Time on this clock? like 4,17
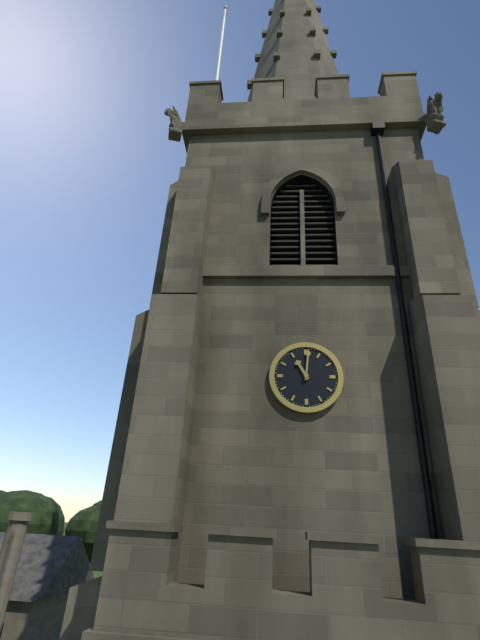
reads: 11,01
